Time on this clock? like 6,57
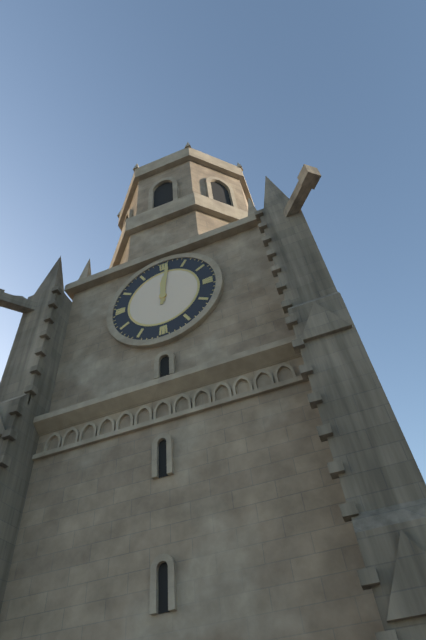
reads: 12,01
